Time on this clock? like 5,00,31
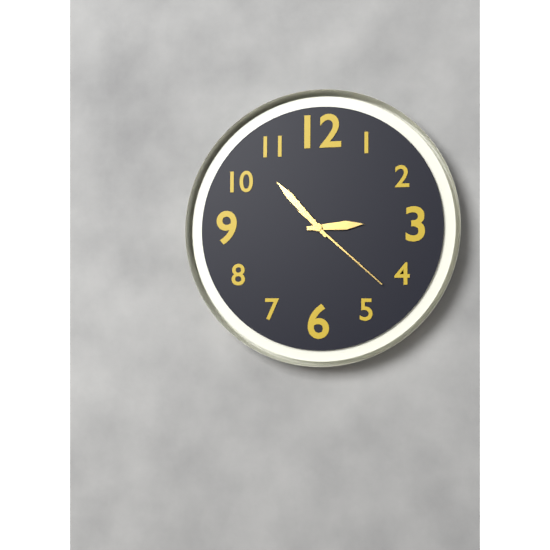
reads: 2,53,22
